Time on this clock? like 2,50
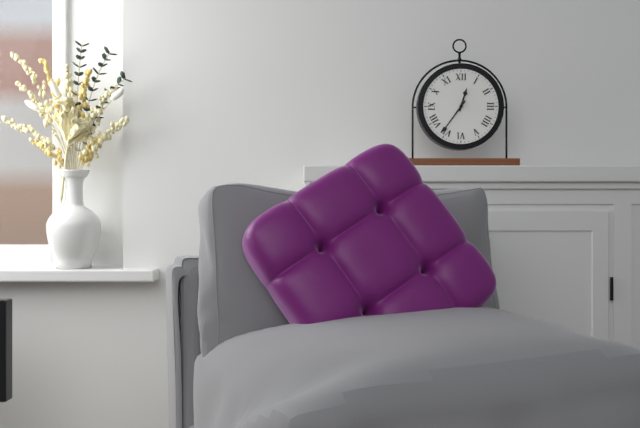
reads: 12,36
